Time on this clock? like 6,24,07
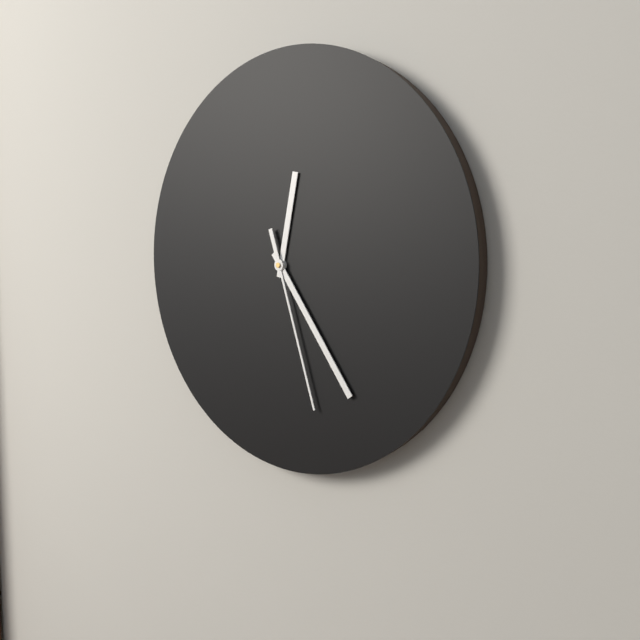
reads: 12,24,27
